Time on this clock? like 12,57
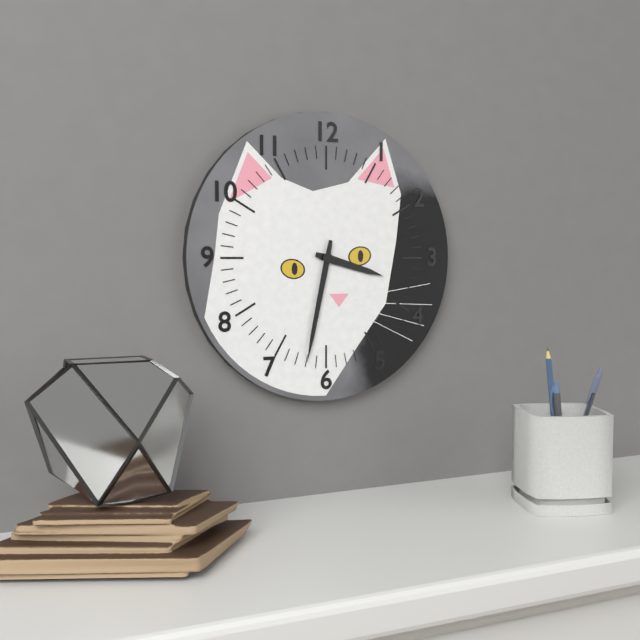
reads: 3,32
